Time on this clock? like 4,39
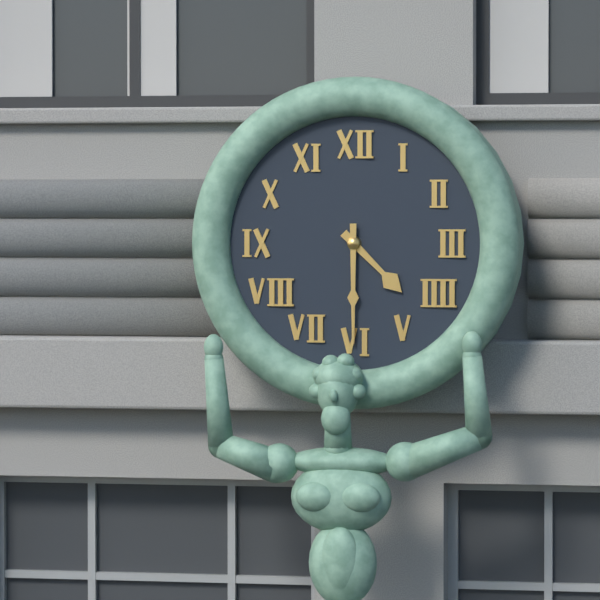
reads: 4,30
